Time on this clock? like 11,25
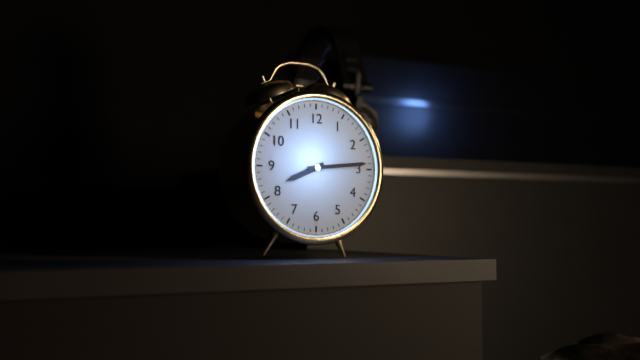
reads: 8,14
